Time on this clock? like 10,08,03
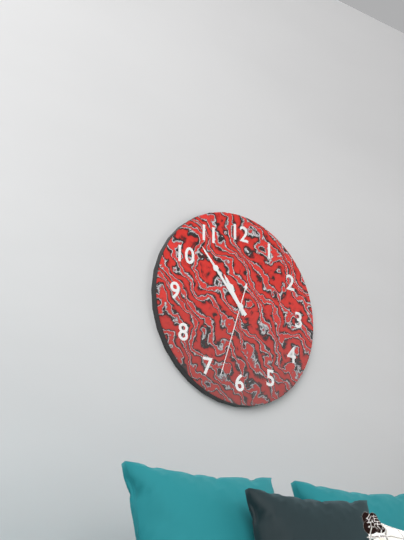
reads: 10,53,33
